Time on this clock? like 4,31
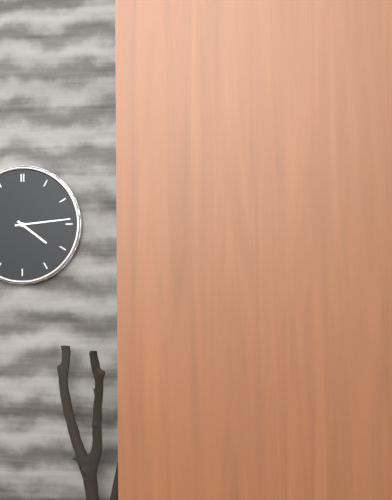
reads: 4,14
